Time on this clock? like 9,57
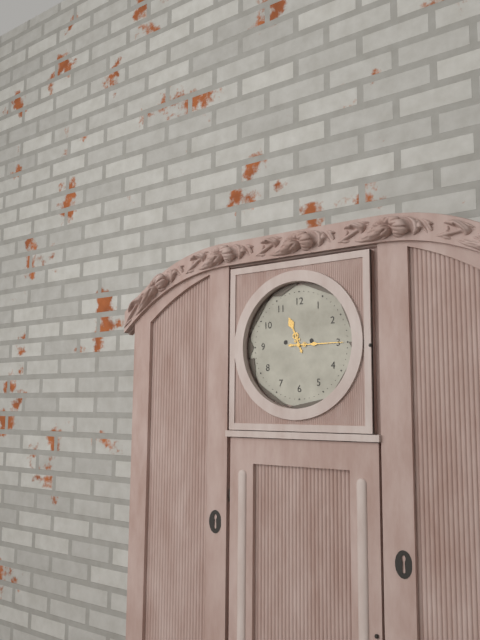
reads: 11,15
